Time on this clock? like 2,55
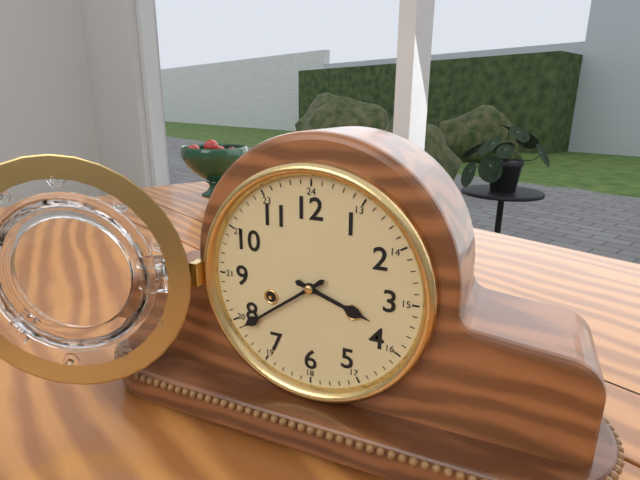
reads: 3,39
